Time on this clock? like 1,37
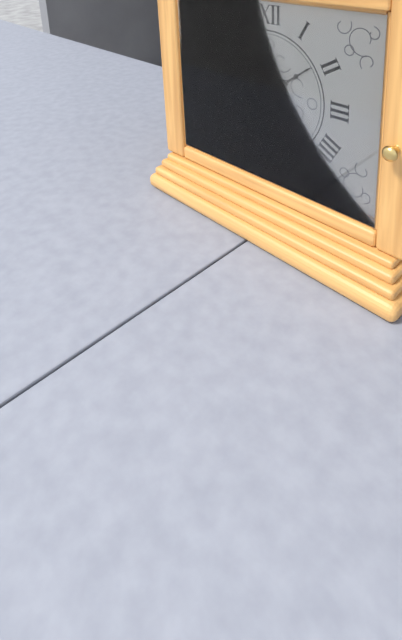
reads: 5,09
